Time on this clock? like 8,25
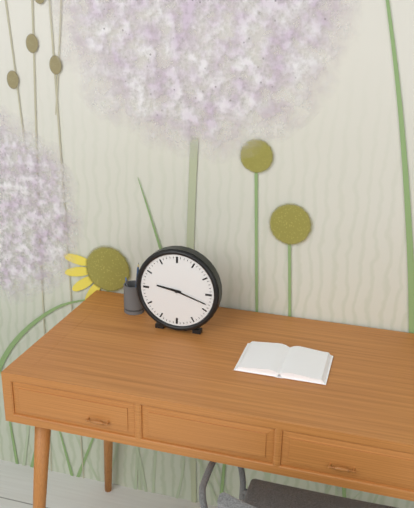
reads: 9,18
